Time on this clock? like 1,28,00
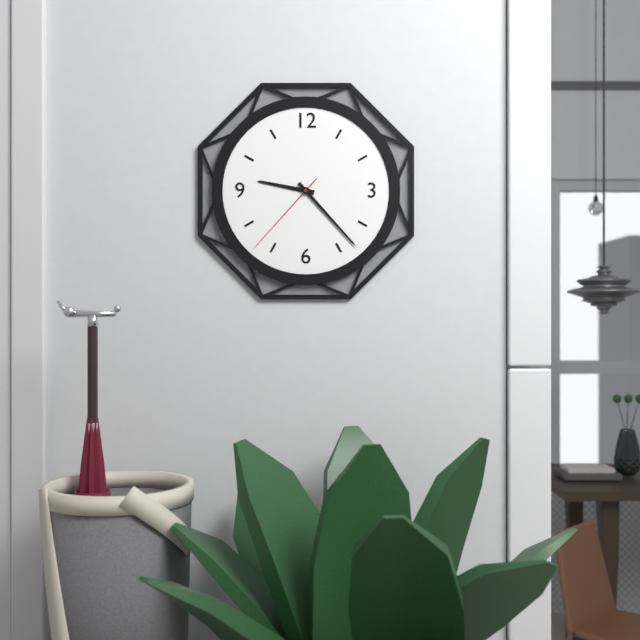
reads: 9,23,37
